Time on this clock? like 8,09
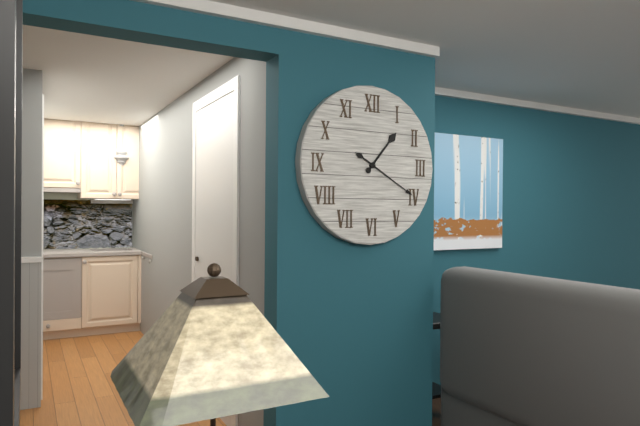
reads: 1,20
